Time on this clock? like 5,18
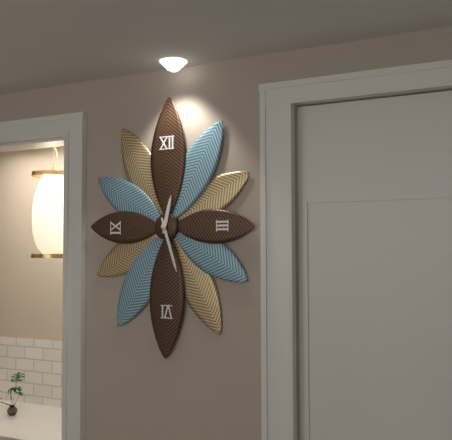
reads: 12,27
